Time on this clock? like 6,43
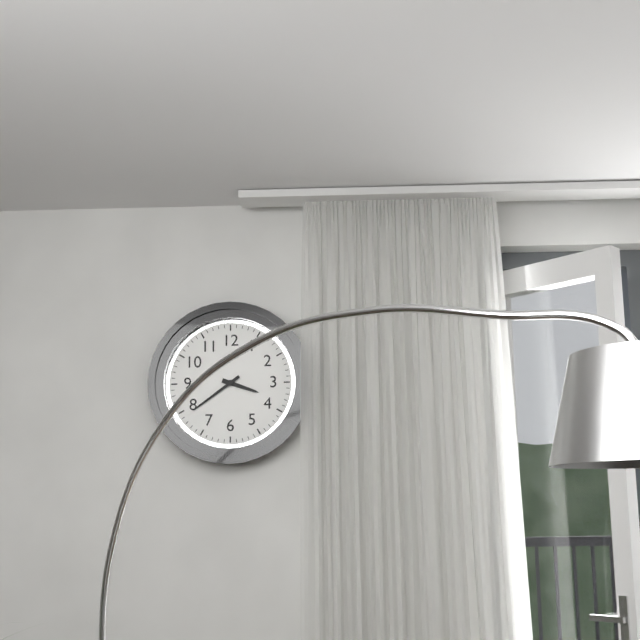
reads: 3,39
